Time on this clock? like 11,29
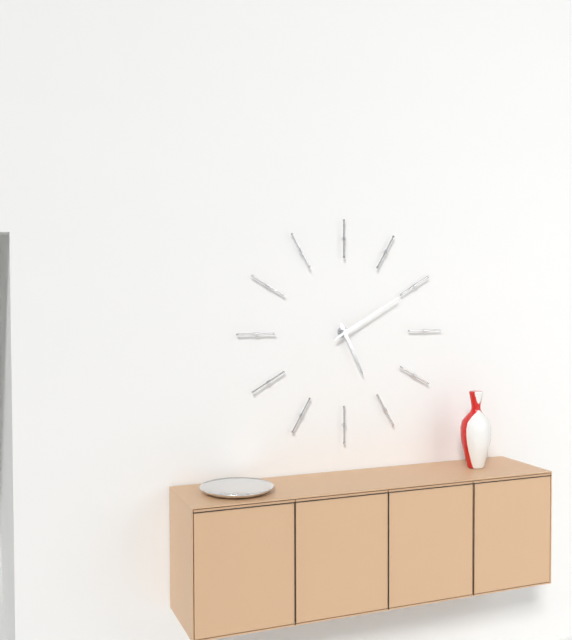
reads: 5,10
